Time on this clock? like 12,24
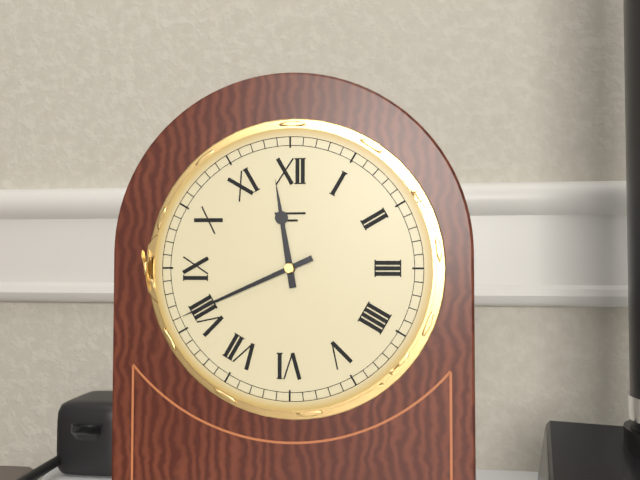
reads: 11,41
